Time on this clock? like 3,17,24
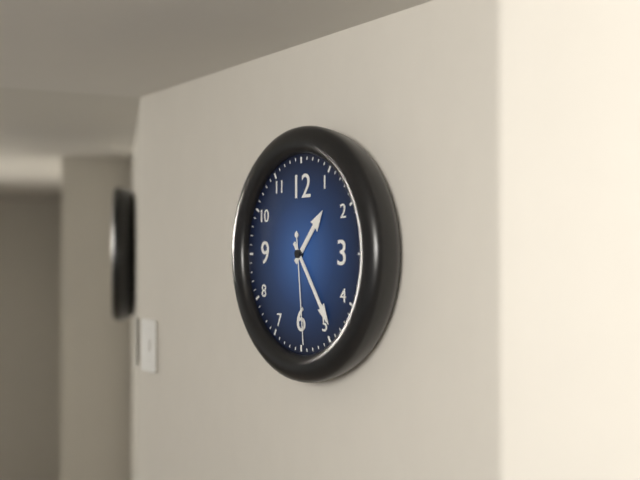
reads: 1,24,29
